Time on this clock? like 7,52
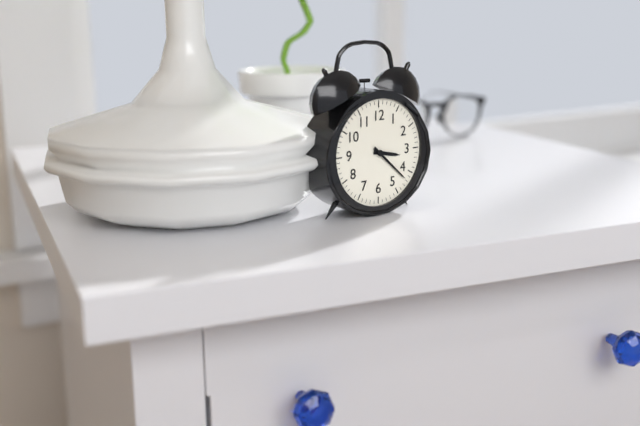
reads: 3,22
